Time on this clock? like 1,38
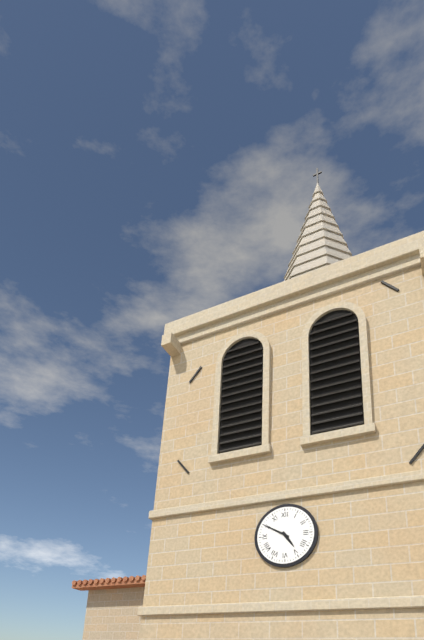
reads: 4,50
